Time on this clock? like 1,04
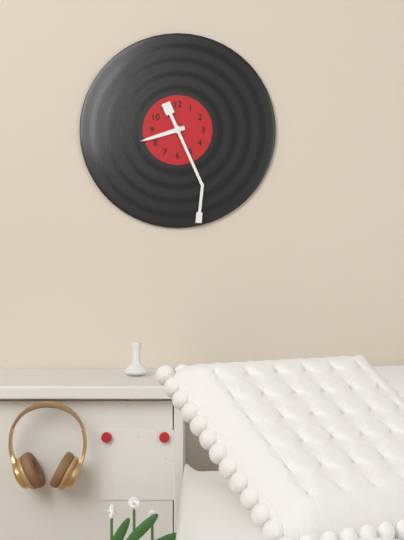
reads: 8,26
